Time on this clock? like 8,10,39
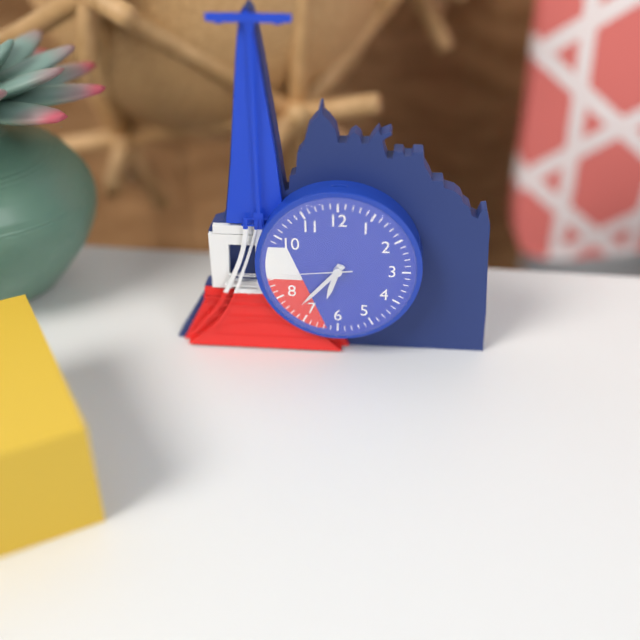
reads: 6,37,44
